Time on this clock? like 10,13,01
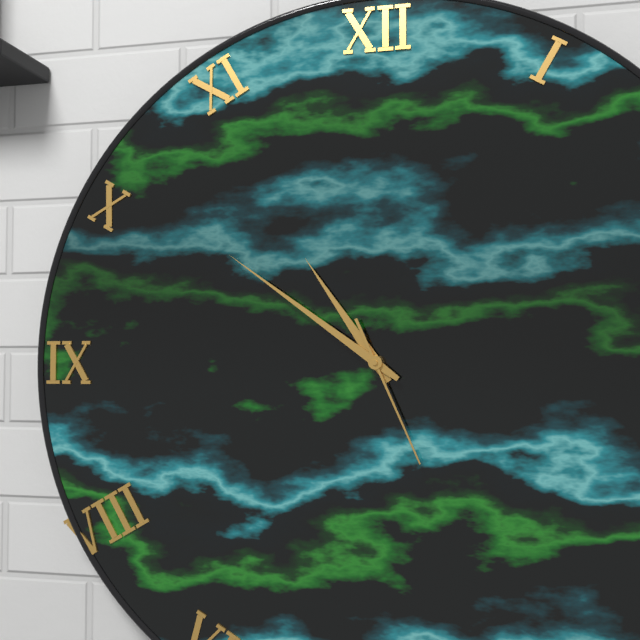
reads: 10,51,26
